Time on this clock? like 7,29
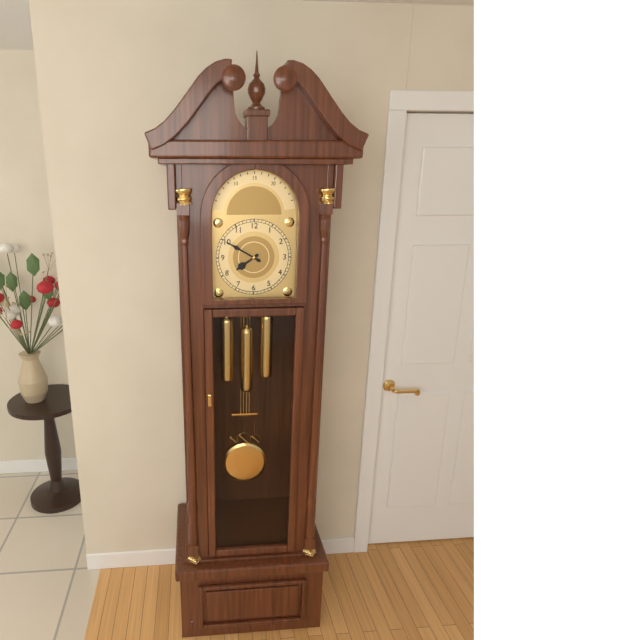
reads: 7,50
